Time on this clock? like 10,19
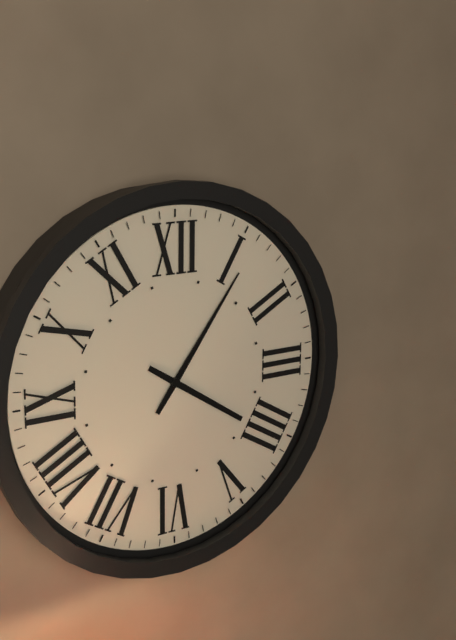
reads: 4,06
